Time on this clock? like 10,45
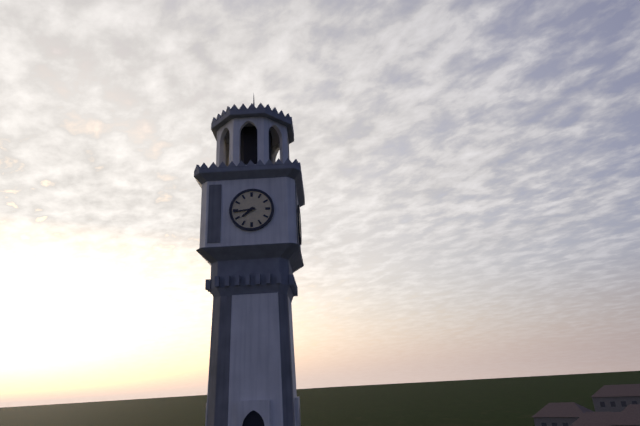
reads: 7,44
